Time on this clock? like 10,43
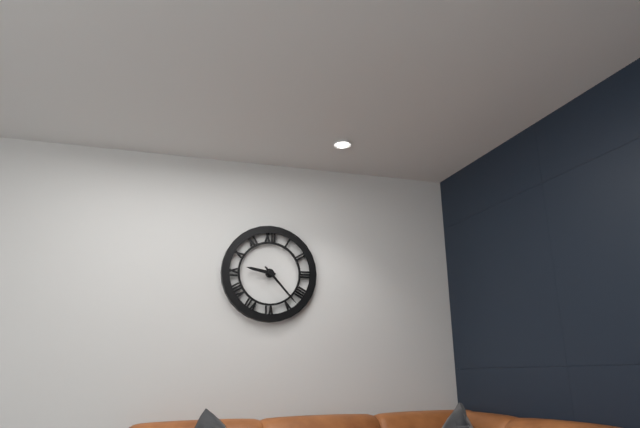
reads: 9,23
